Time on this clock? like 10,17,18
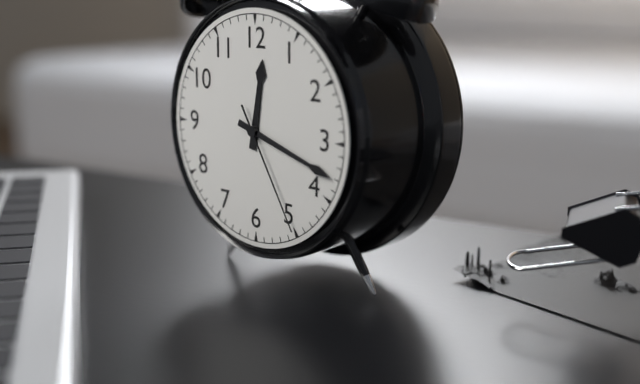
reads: 12,18,25
